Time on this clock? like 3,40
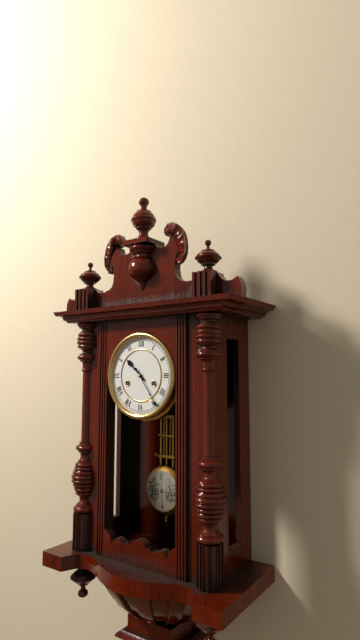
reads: 10,24
